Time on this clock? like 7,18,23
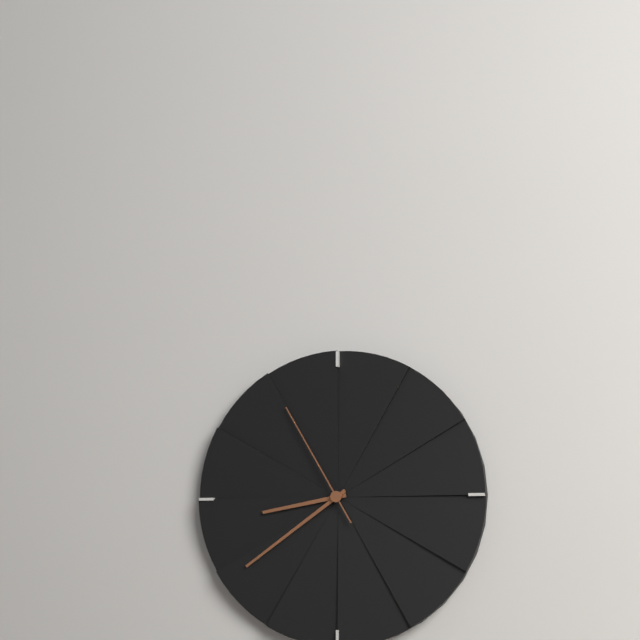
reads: 8,39,55
